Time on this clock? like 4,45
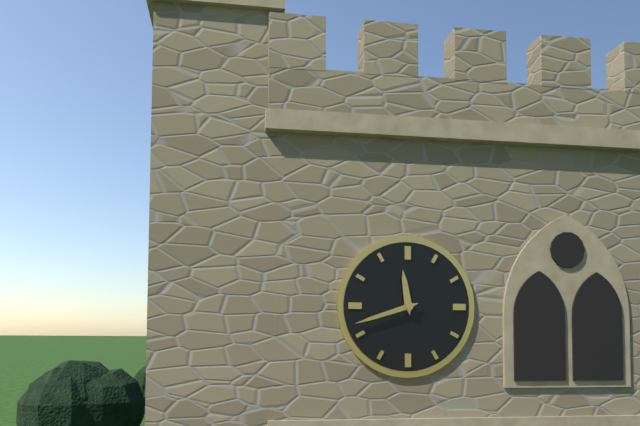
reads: 11,42
